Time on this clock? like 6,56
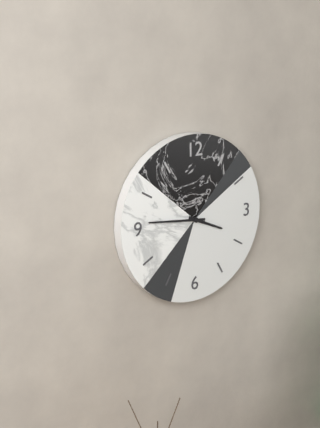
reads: 3,46
